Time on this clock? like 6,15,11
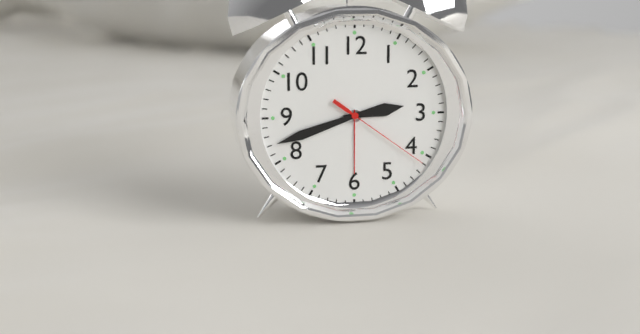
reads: 2,42,21
